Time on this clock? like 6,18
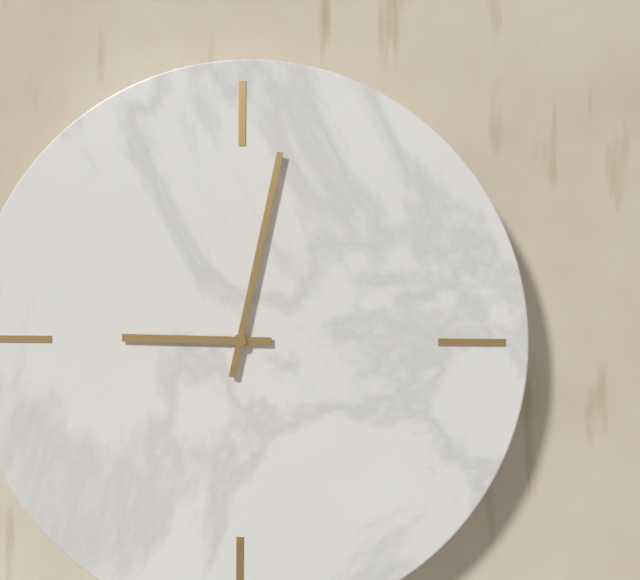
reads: 9,02
